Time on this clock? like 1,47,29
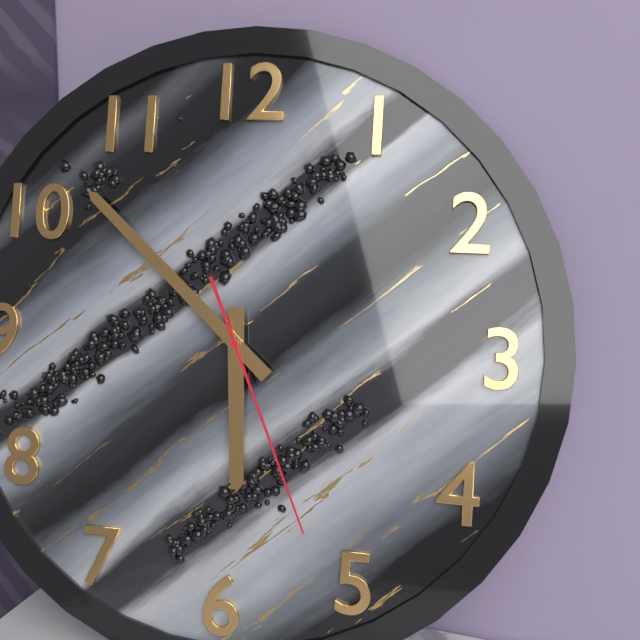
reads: 5,52,26
